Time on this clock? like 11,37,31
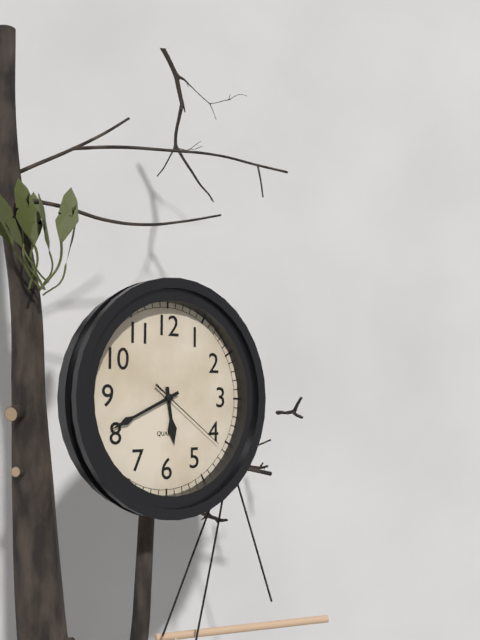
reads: 5,41,21
